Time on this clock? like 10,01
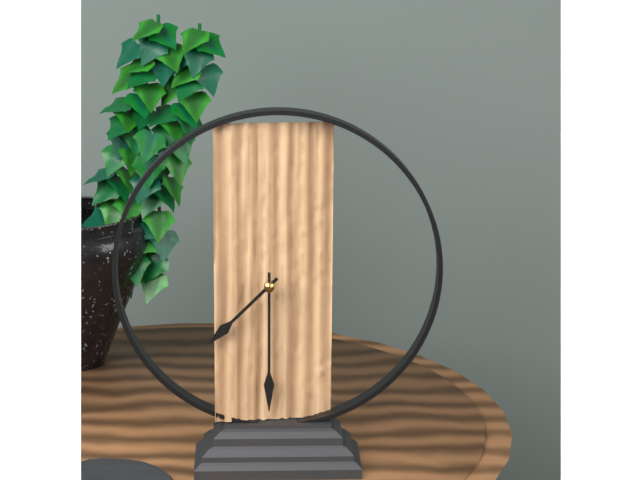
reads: 7,30
